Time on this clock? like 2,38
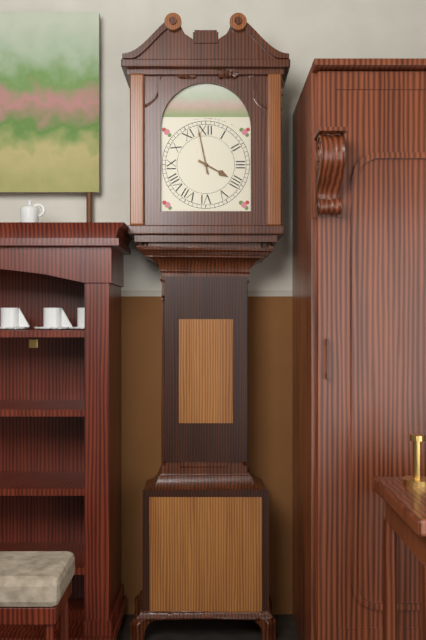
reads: 3,58
